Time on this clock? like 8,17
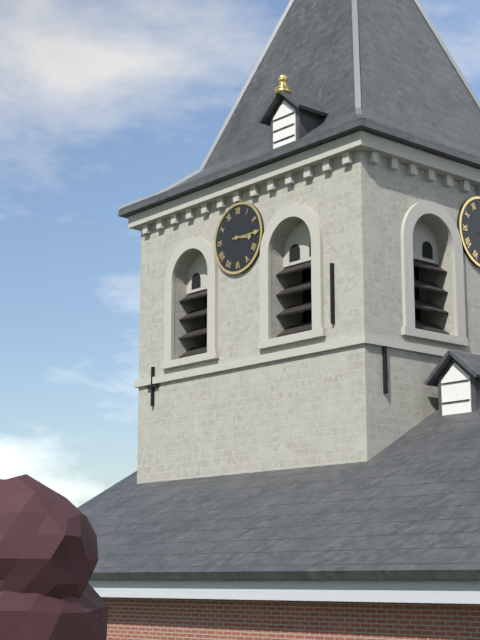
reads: 3,15
